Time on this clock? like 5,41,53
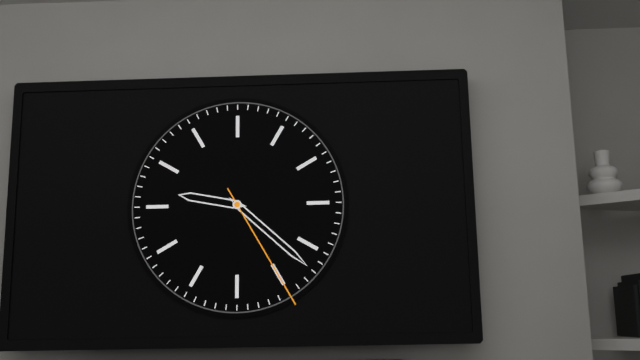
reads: 9,22,25
